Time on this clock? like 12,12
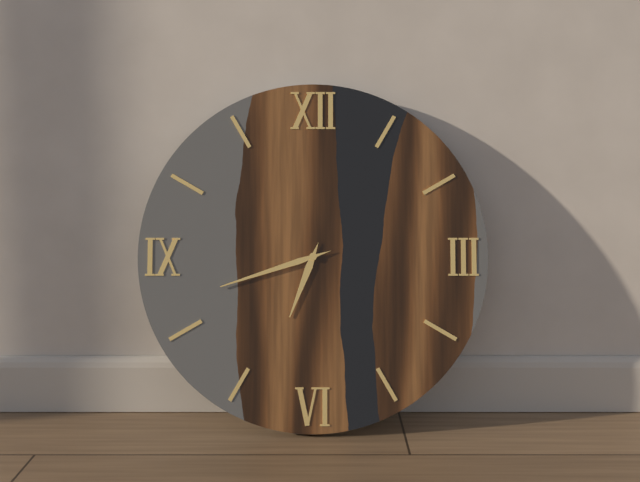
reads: 6,42
